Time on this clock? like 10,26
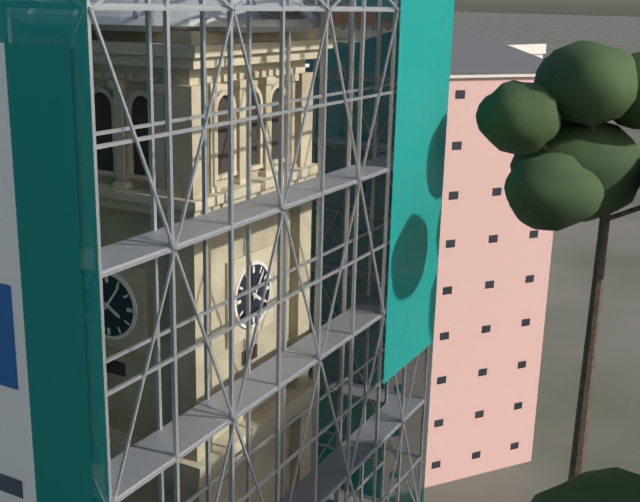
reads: 4,06
